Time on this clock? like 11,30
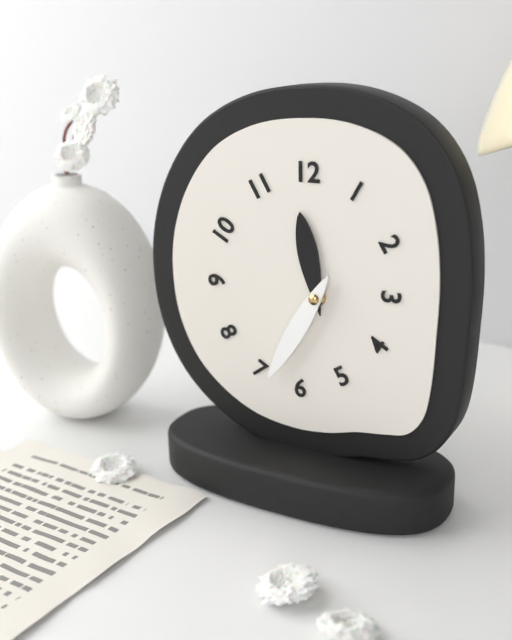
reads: 11,35
